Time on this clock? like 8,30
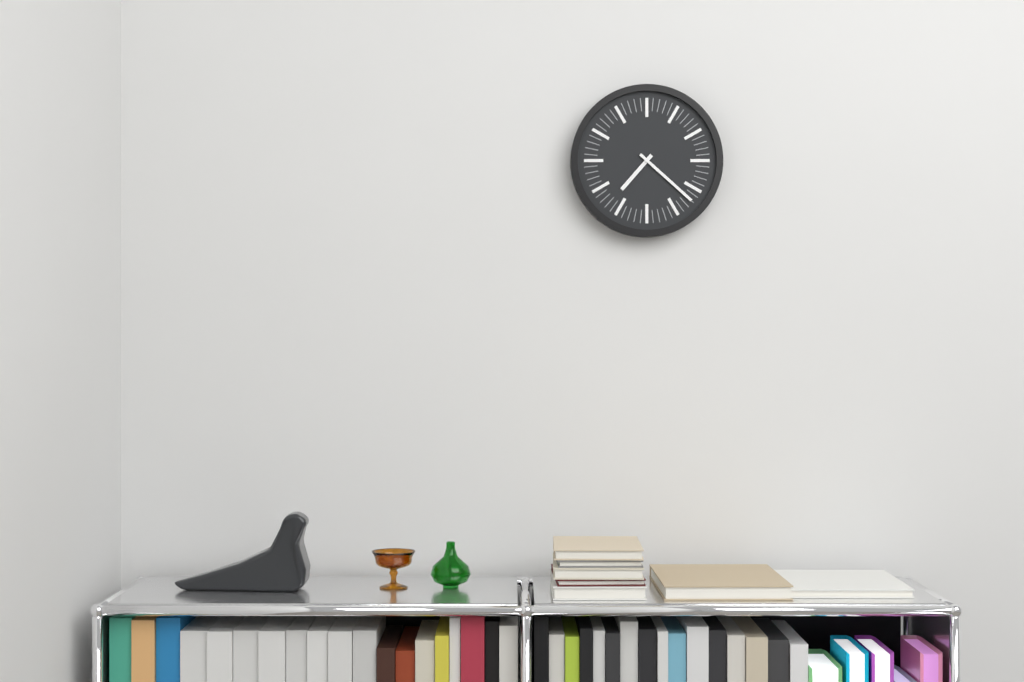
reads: 7,22
